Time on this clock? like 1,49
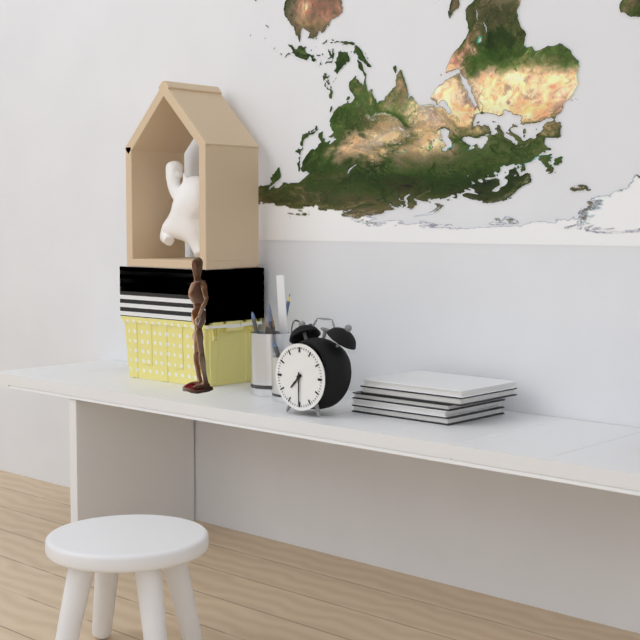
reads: 7,30
